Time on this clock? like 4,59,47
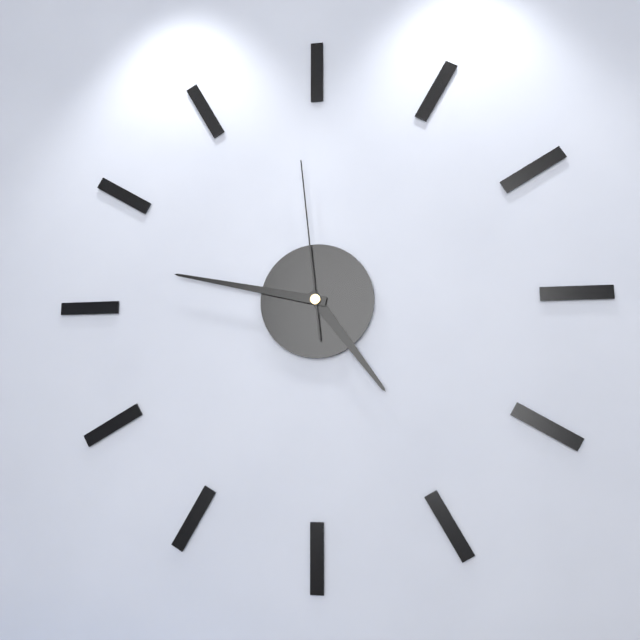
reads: 4,47,59
